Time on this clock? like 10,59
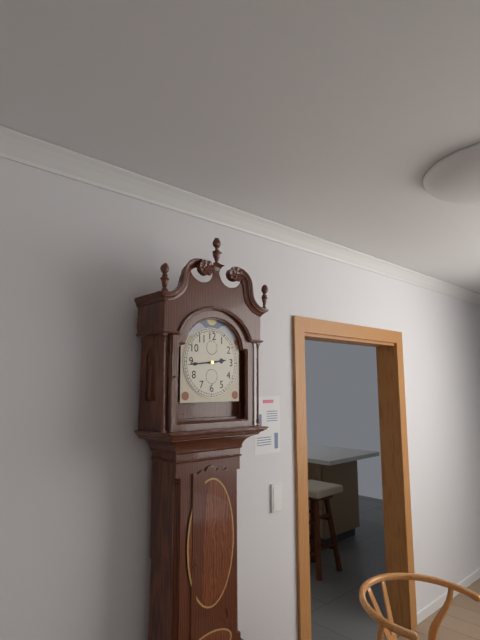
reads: 2,44
